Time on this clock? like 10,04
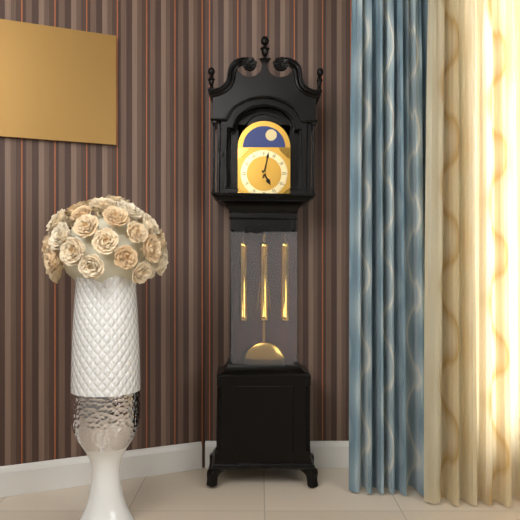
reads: 5,02
